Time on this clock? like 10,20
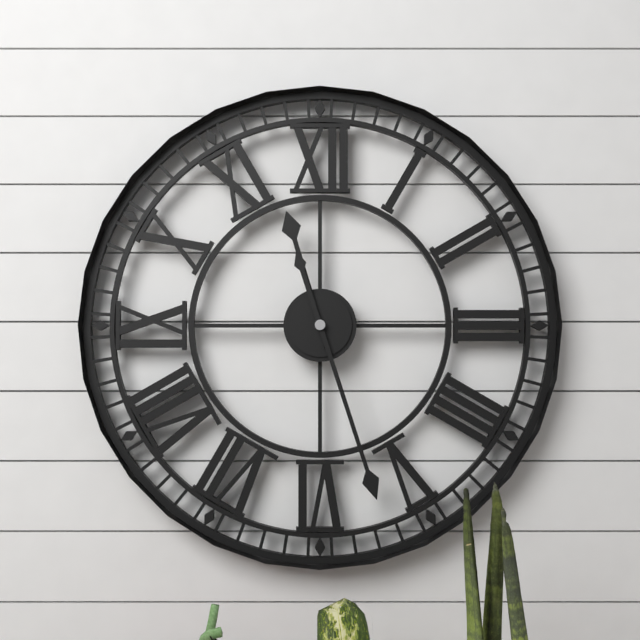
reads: 11,27
